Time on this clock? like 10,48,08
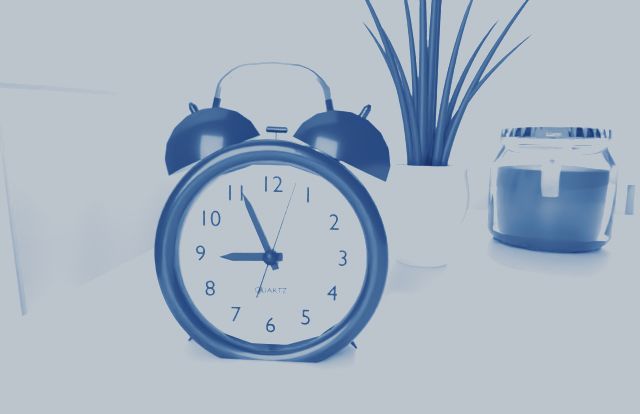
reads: 8,56,03
